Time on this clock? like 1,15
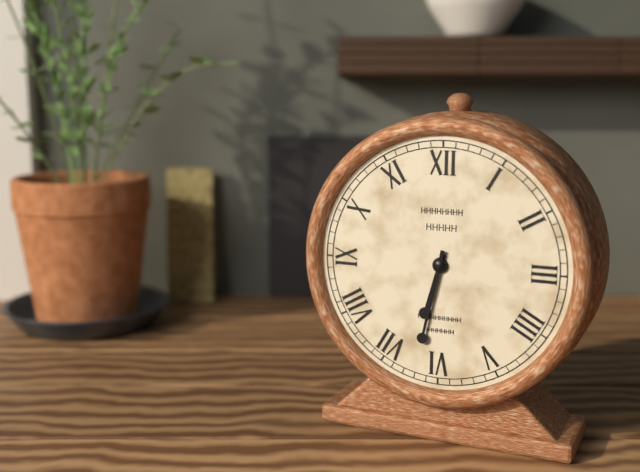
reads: 6,32
